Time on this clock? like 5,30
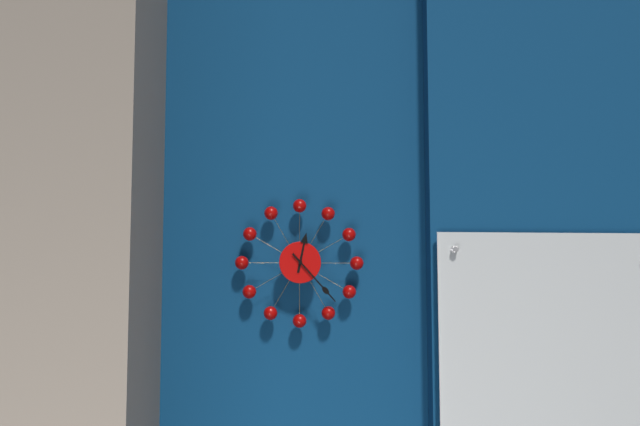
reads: 12,23
